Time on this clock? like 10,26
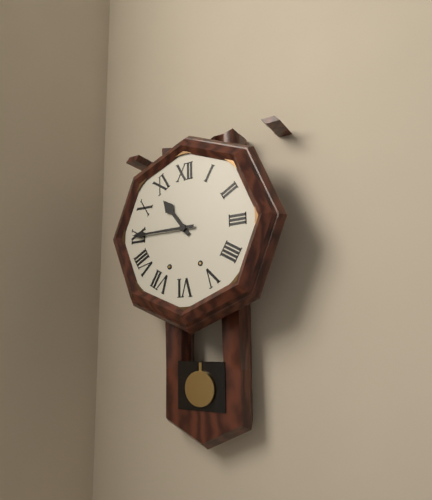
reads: 10,45
